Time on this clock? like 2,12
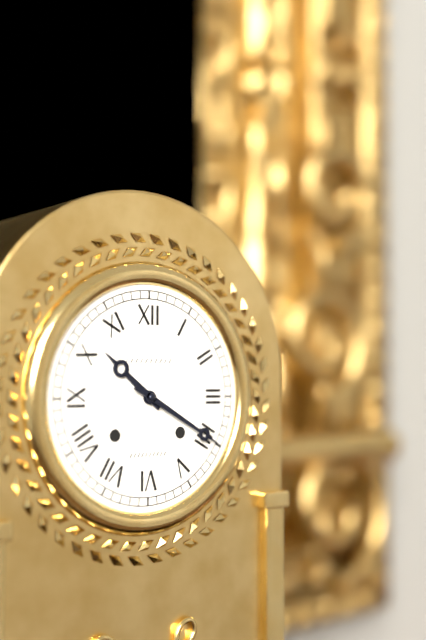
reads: 10,20
